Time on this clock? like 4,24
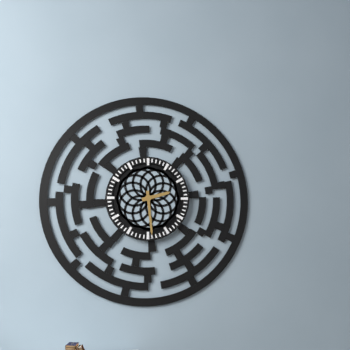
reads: 2,29
